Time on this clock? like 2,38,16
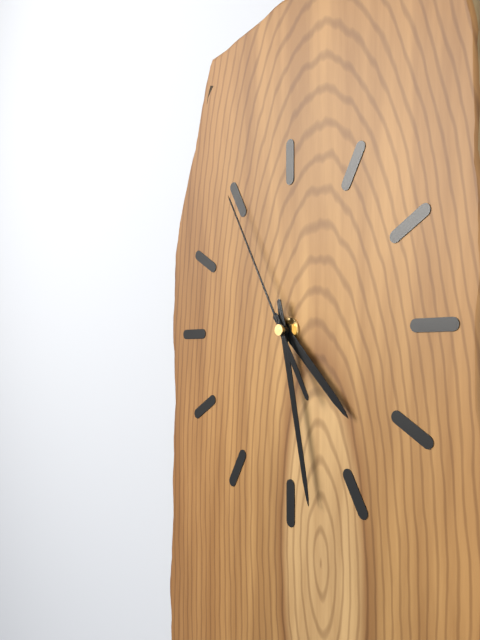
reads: 4,28,55
